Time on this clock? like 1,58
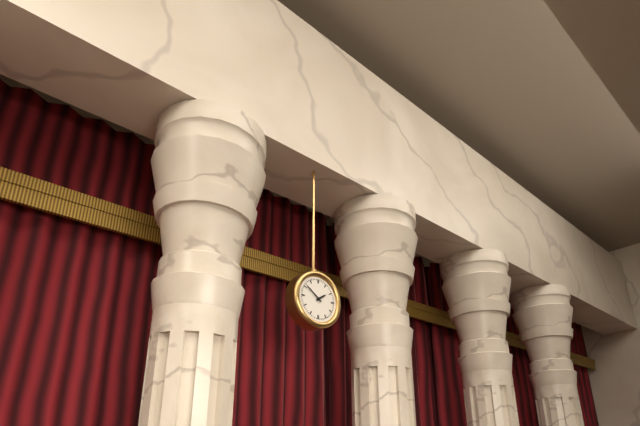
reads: 1,51
